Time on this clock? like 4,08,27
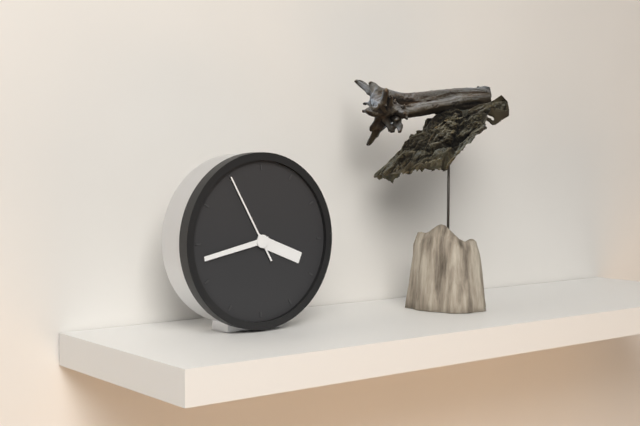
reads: 3,43,55
